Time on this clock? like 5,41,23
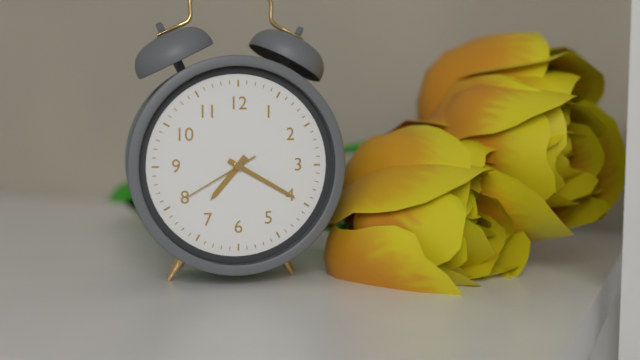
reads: 7,20,40
